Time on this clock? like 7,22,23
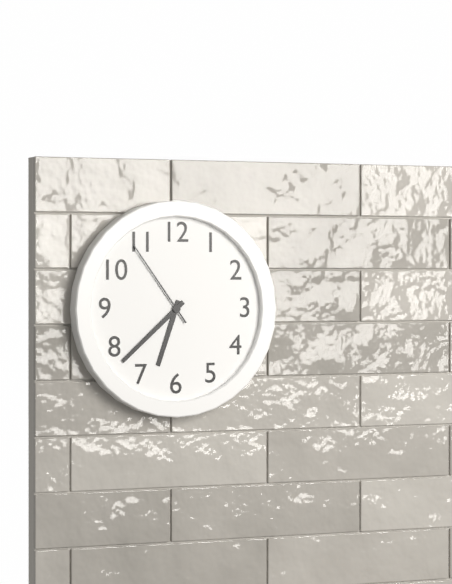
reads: 6,38,54
